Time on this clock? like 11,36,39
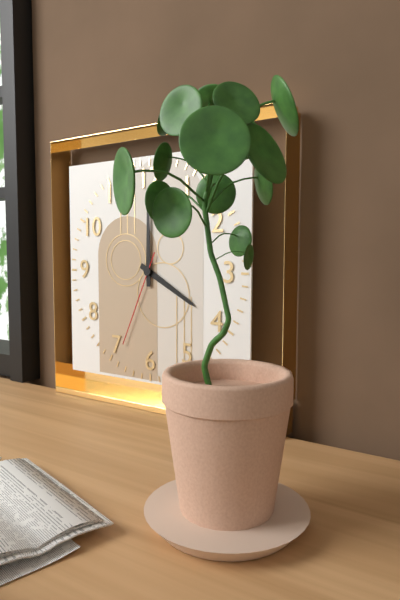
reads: 4,00,34
